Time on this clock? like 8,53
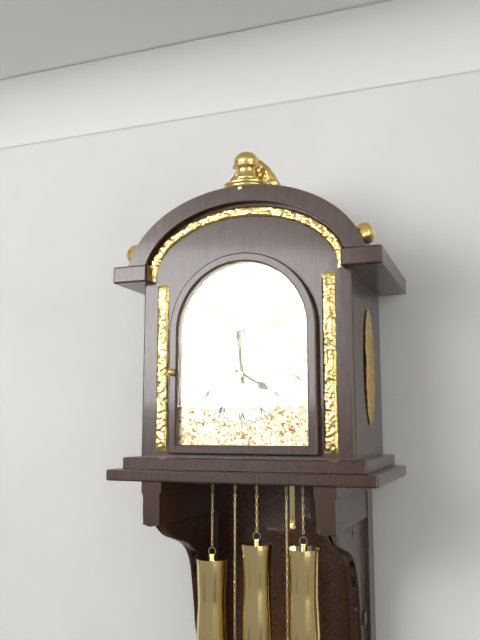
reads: 3,59
